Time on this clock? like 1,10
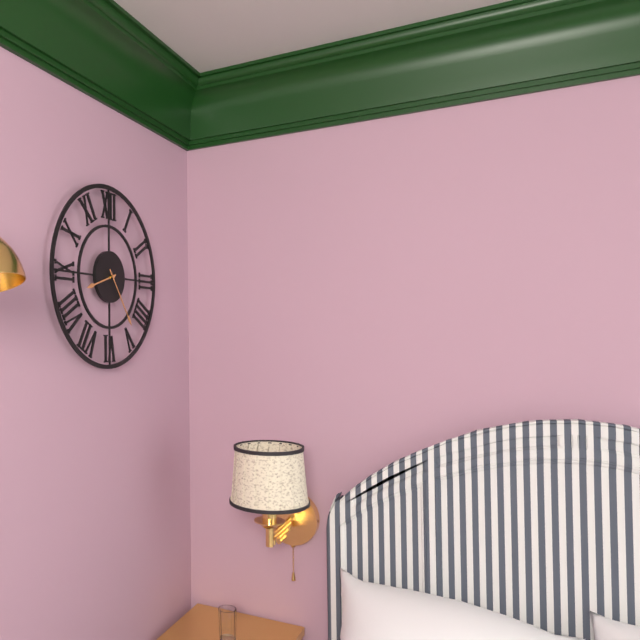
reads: 8,24
